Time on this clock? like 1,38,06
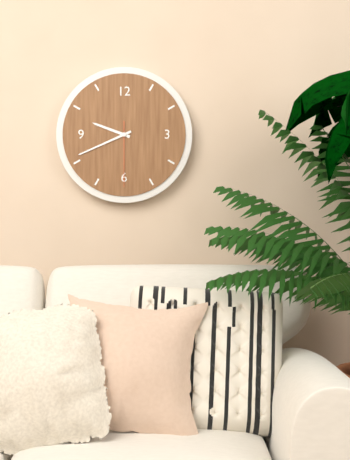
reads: 9,41,30
